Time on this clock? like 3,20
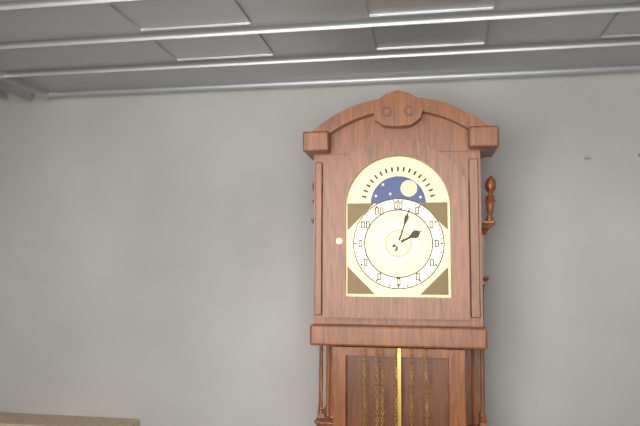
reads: 2,03
